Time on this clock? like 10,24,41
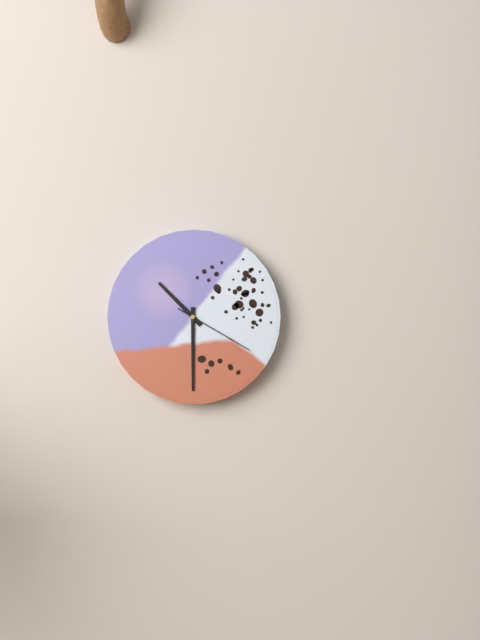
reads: 10,30,20
